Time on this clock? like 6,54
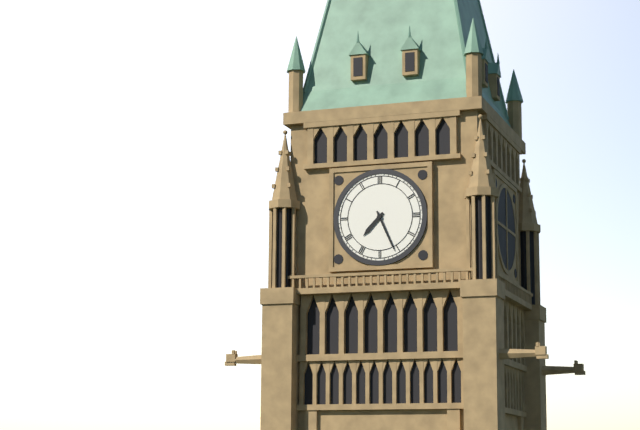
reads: 7,26
